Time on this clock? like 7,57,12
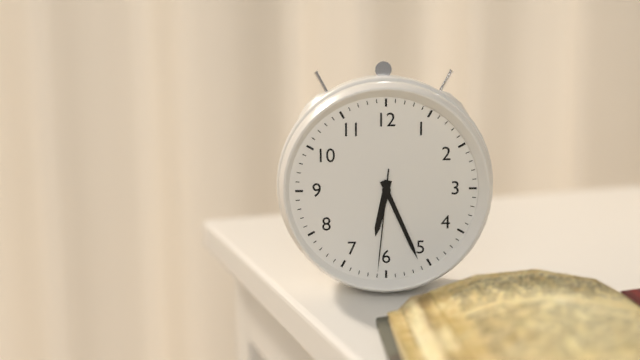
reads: 6,26,31
